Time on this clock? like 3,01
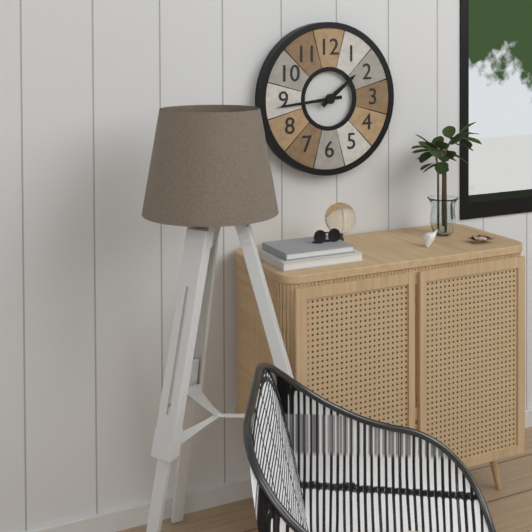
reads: 1,44
